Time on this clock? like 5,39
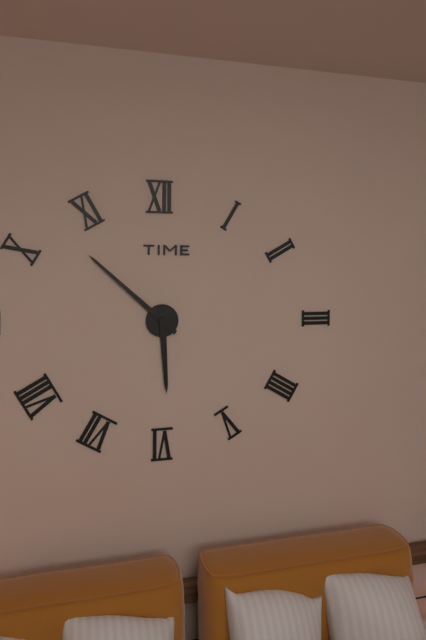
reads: 5,52
